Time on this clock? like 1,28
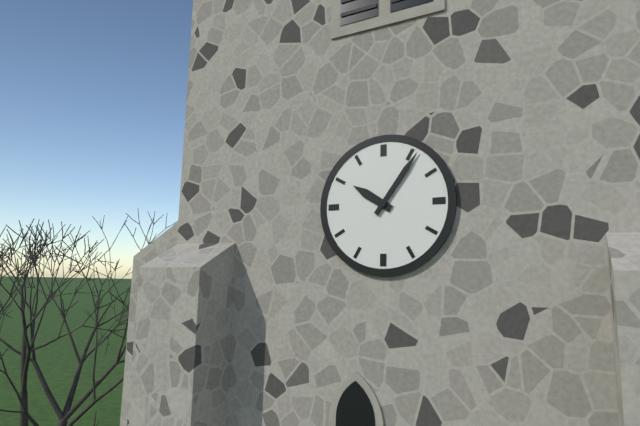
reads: 10,06
